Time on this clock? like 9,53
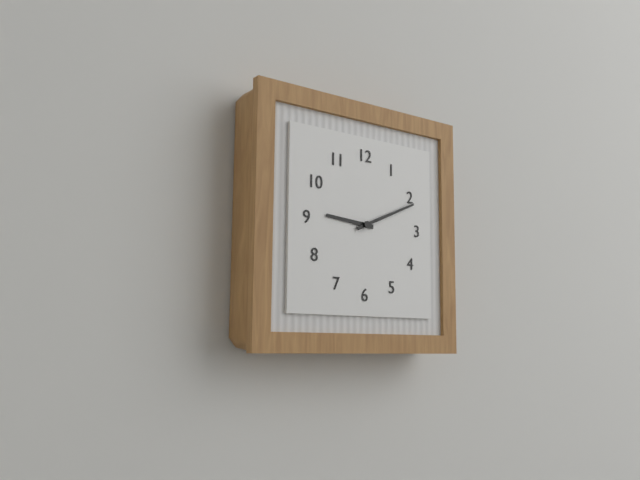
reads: 9,11
